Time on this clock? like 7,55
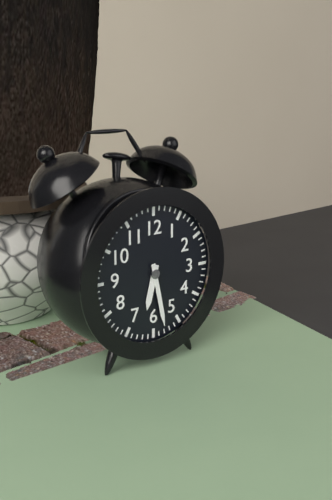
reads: 6,28
